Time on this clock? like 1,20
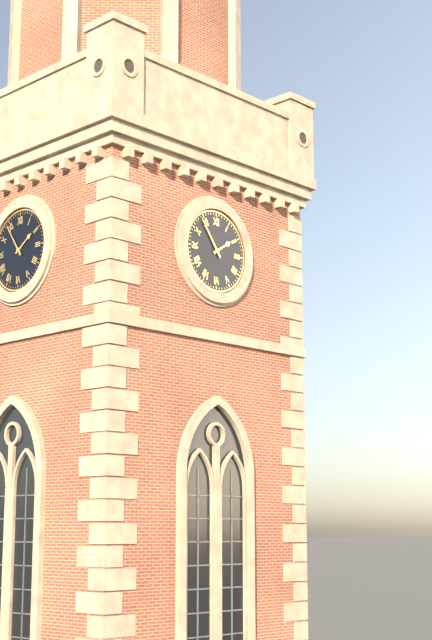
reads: 1,54
